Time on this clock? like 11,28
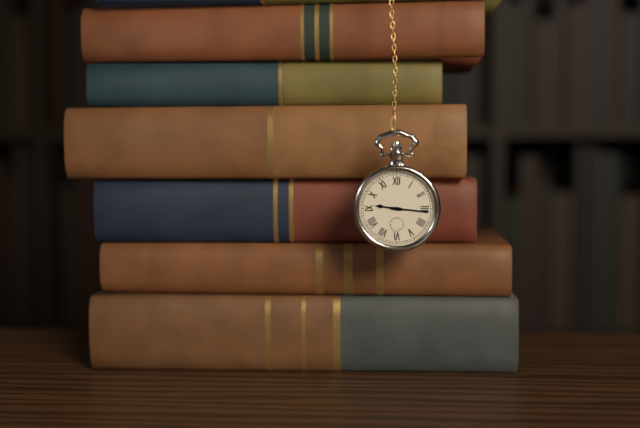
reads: 9,16
